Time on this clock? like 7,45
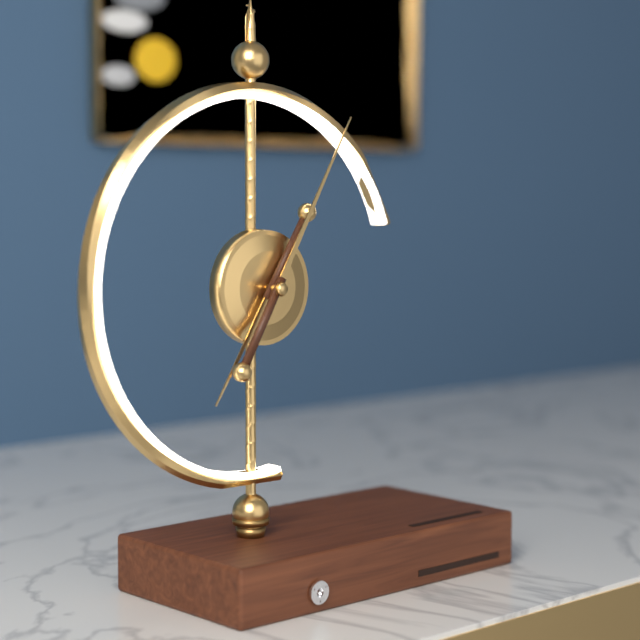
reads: 7,05
